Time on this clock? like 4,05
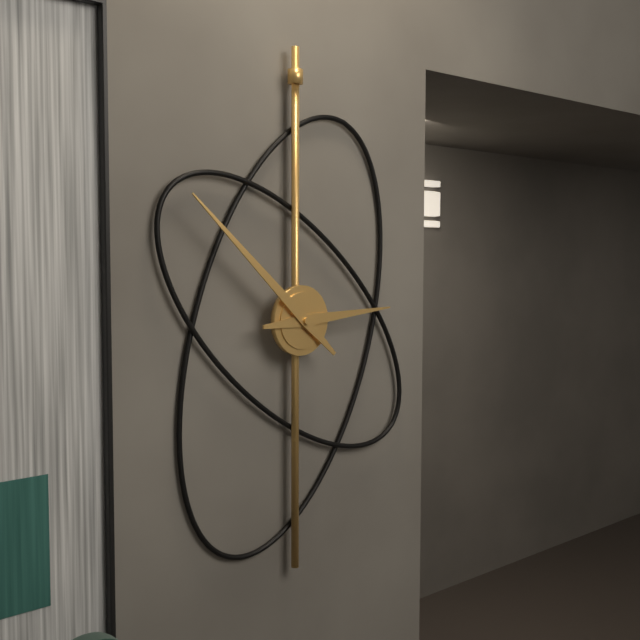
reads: 2,52
